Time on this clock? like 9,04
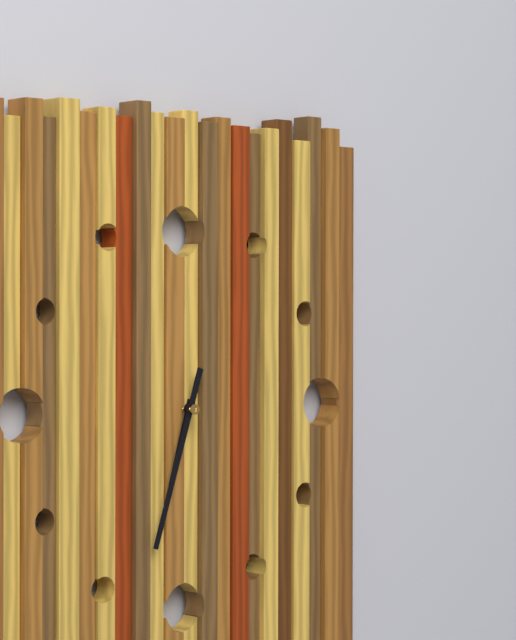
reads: 6,33
